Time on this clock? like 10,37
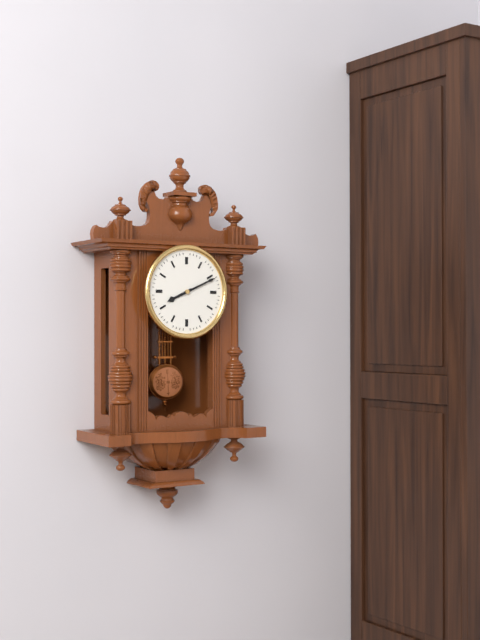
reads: 8,11
